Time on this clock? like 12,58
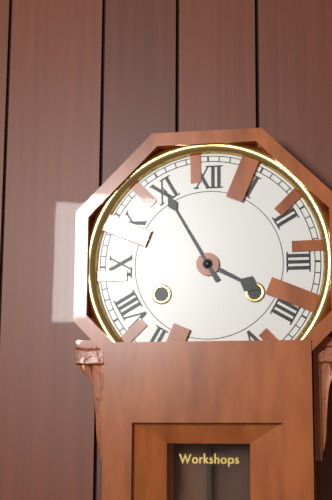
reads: 3,55
